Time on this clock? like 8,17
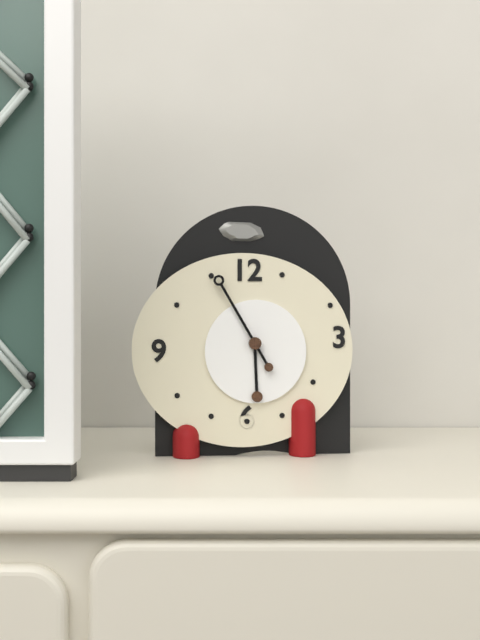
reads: 5,55
